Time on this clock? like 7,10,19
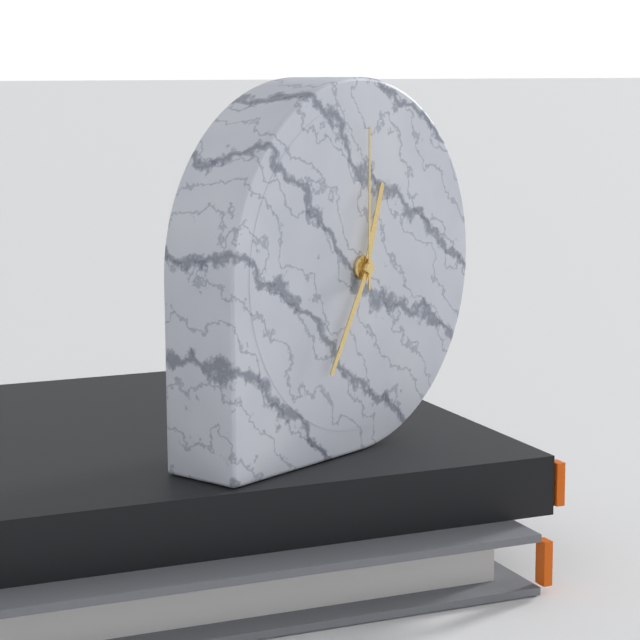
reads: 12,35,00
